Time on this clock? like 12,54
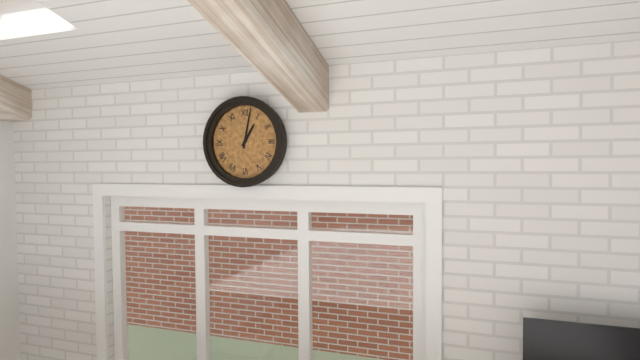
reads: 1,02
